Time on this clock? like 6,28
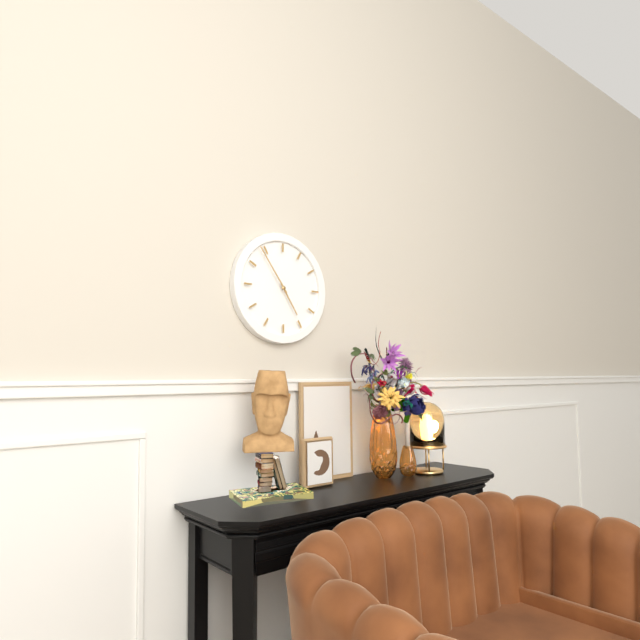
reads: 4,54
